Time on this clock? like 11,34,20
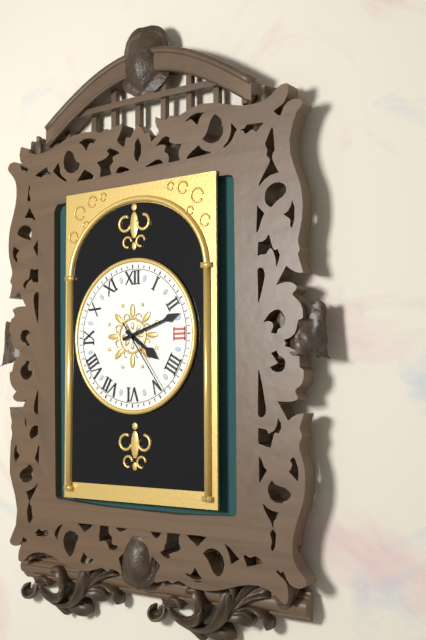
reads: 4,12,24
